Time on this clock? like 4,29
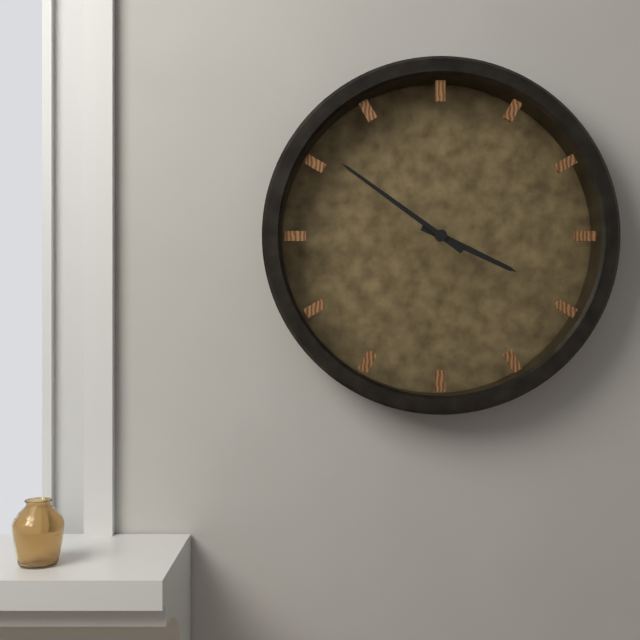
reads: 3,51
